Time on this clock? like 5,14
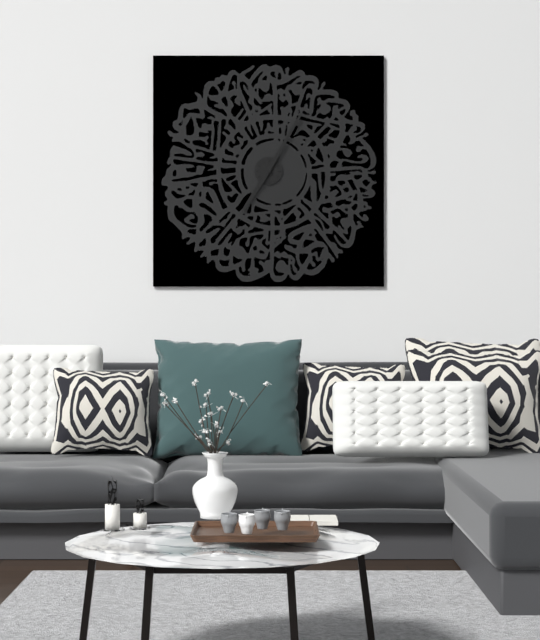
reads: 7,05
